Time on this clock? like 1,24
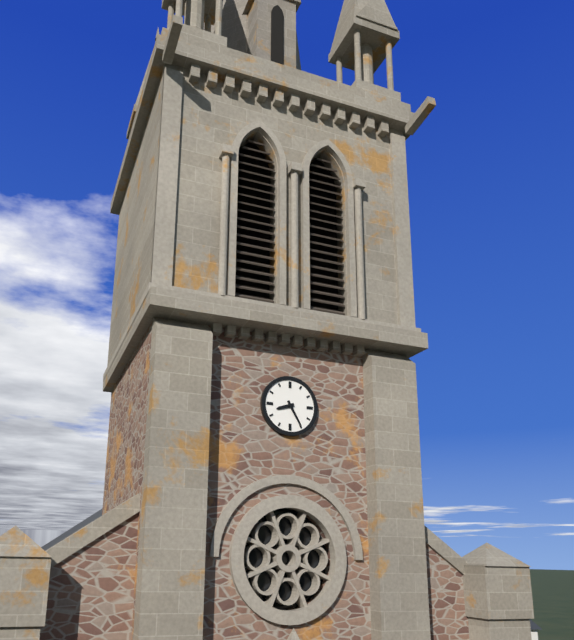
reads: 8,25
